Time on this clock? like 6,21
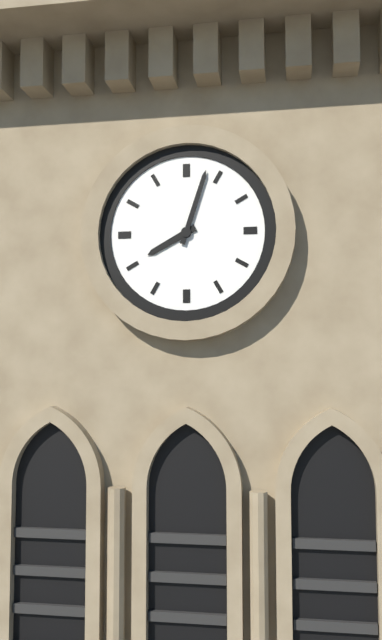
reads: 8,03
